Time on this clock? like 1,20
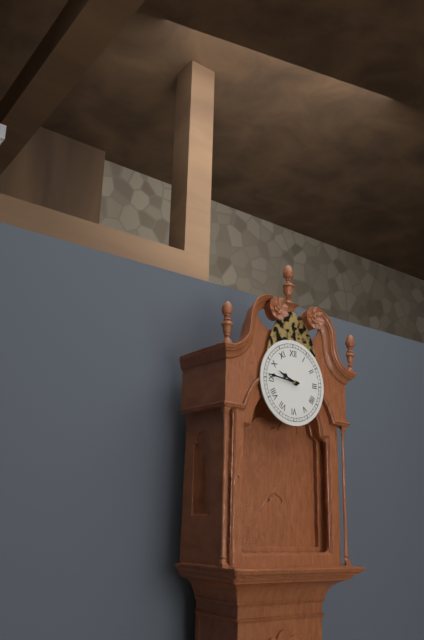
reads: 9,46
